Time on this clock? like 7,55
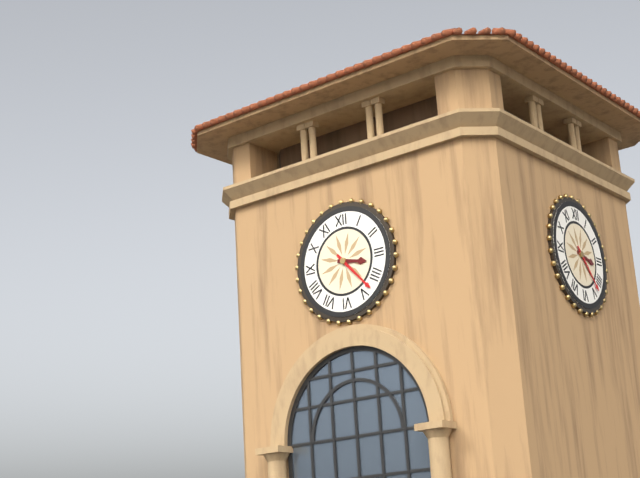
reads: 3,23
